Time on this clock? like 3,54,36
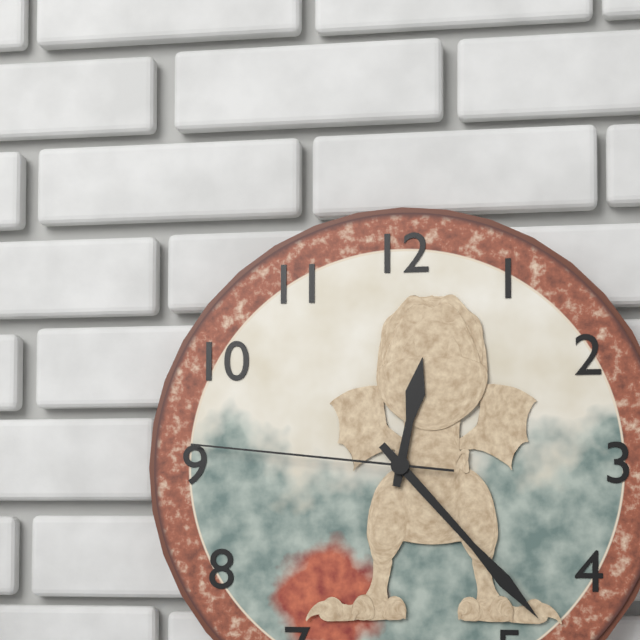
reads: 12,23,46
